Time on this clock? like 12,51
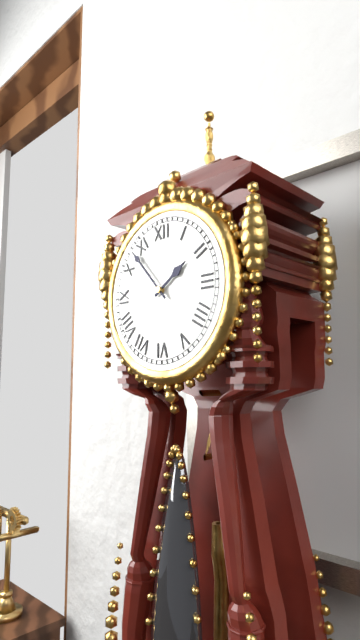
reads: 1,53
